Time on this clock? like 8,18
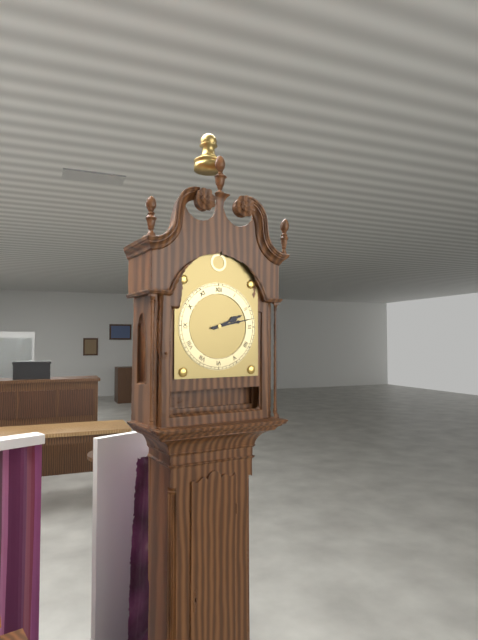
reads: 2,13
